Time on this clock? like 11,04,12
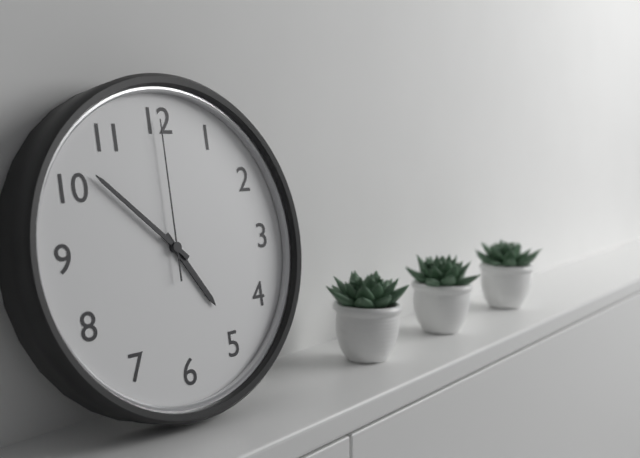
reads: 4,52,00
